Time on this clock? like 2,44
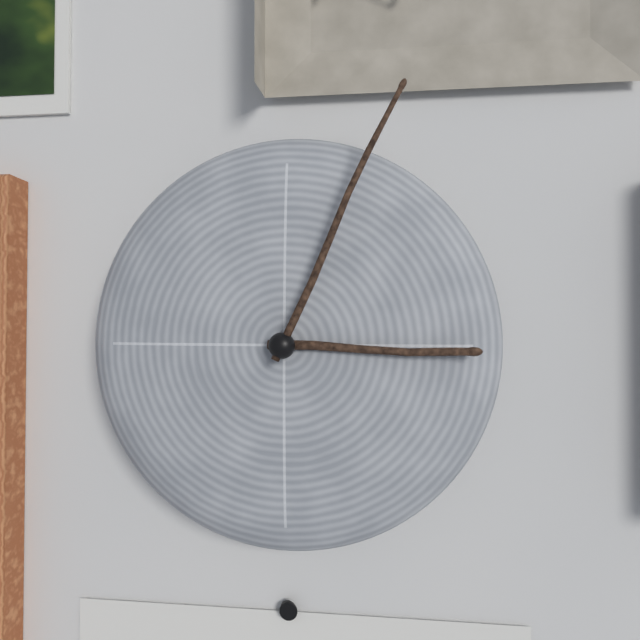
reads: 3,04
